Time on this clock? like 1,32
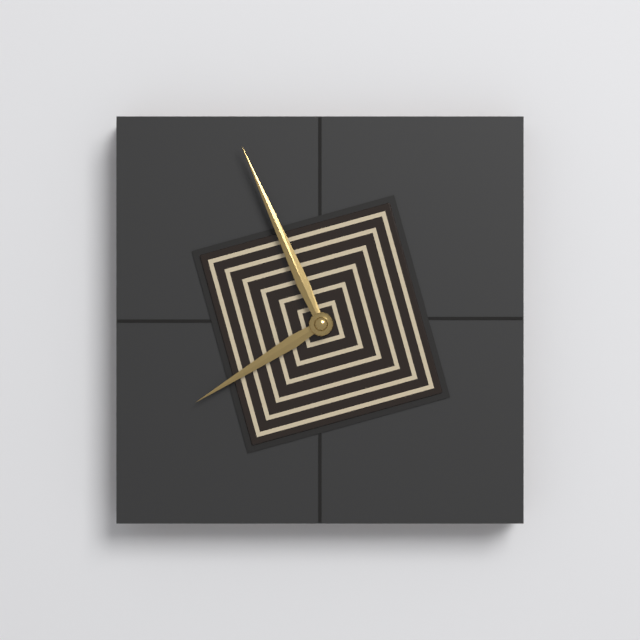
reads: 7,56
